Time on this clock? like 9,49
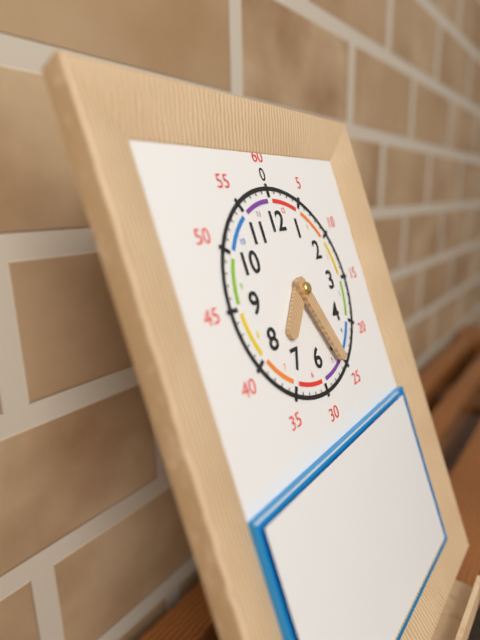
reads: 7,26
